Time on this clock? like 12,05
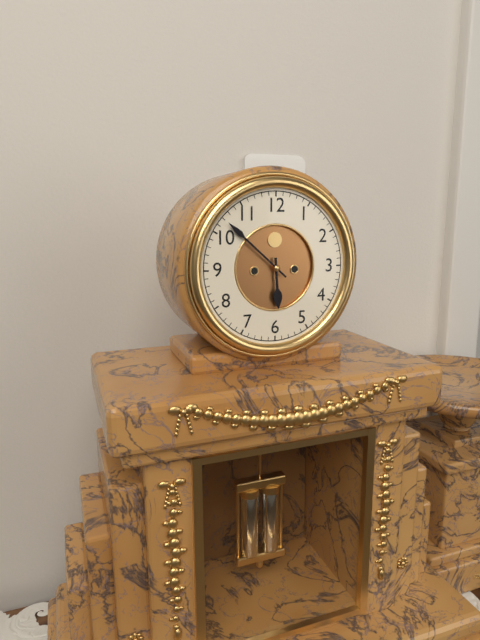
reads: 5,52
